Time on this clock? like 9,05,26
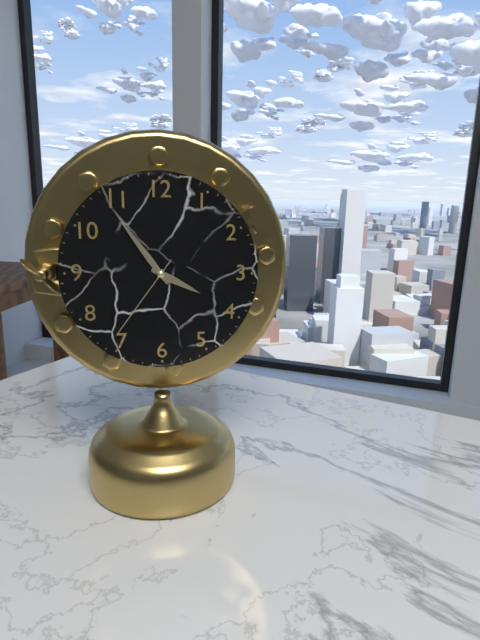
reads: 3,54,36
